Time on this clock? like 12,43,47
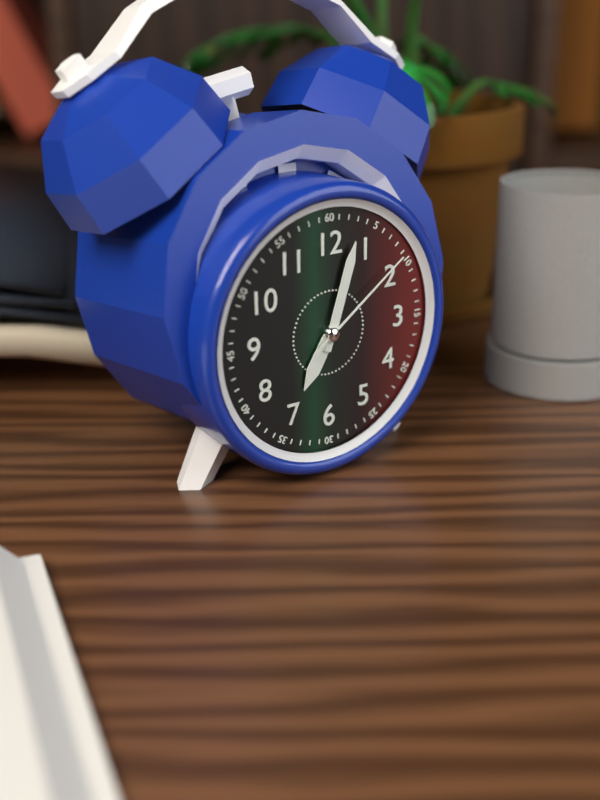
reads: 7,03,09
